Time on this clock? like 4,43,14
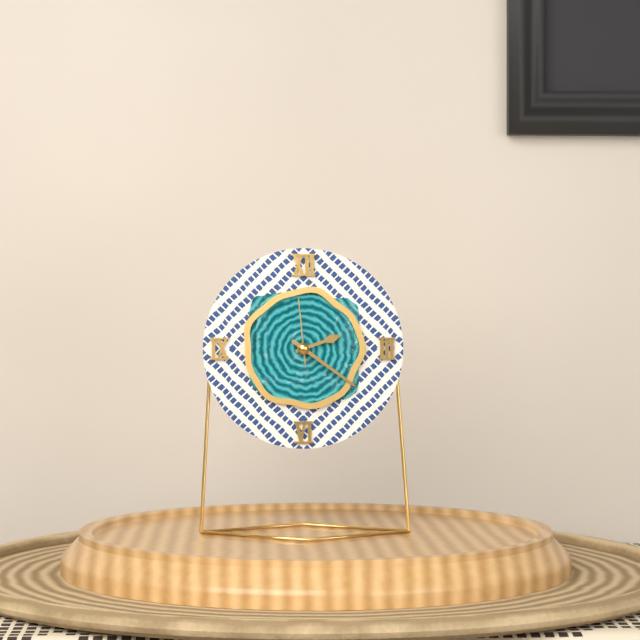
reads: 2,21,59
